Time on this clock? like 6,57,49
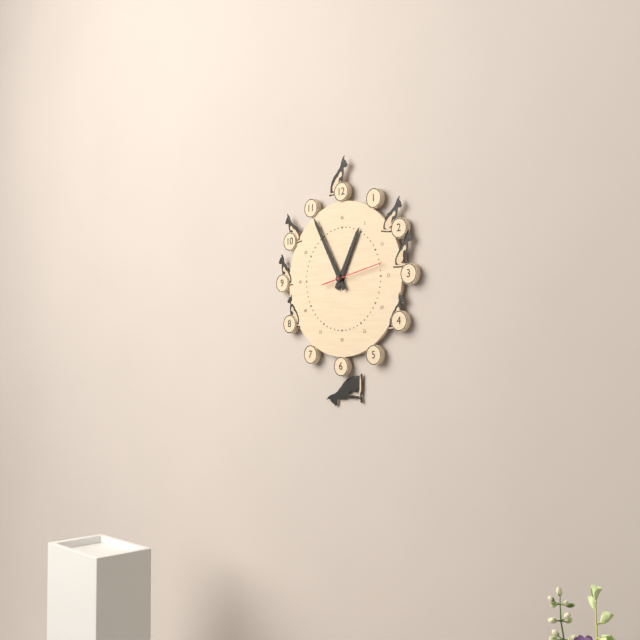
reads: 12,55,13
